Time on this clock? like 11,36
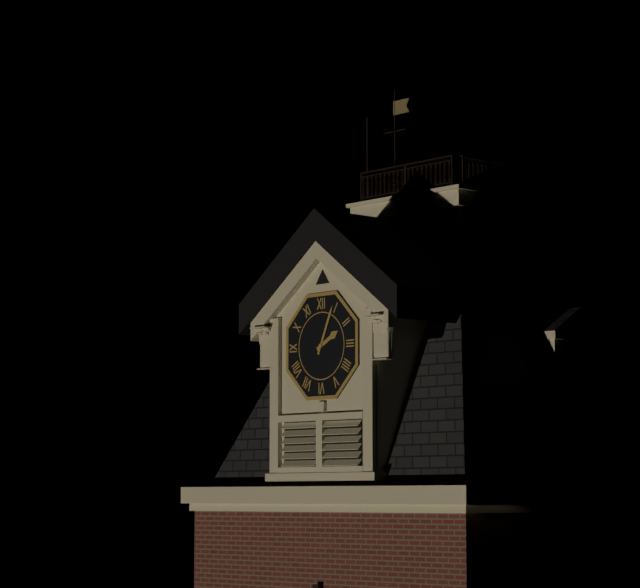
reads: 2,04
